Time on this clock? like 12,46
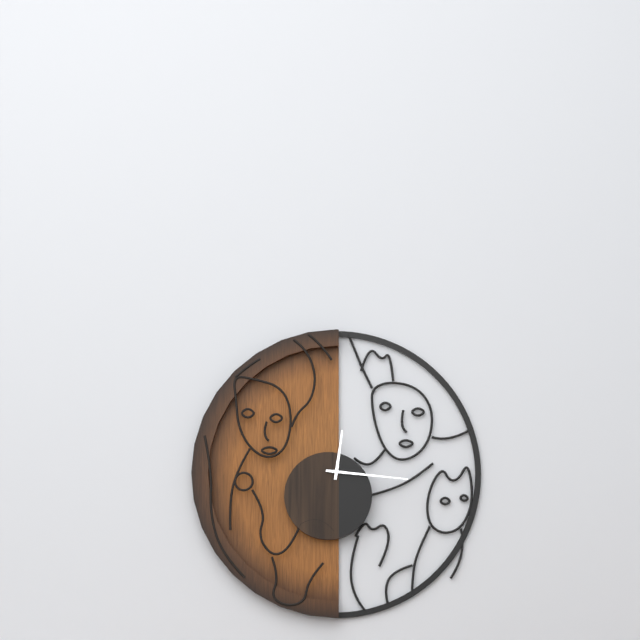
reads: 12,16
